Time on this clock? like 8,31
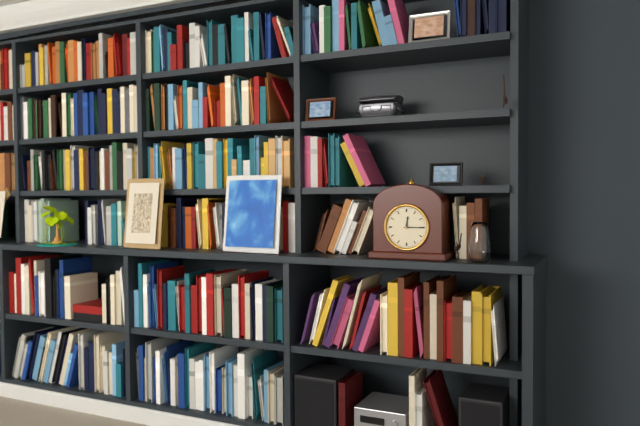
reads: 12,15
